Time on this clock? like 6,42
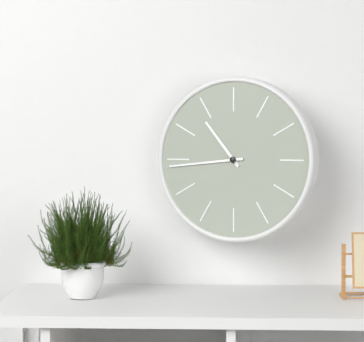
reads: 10,44
